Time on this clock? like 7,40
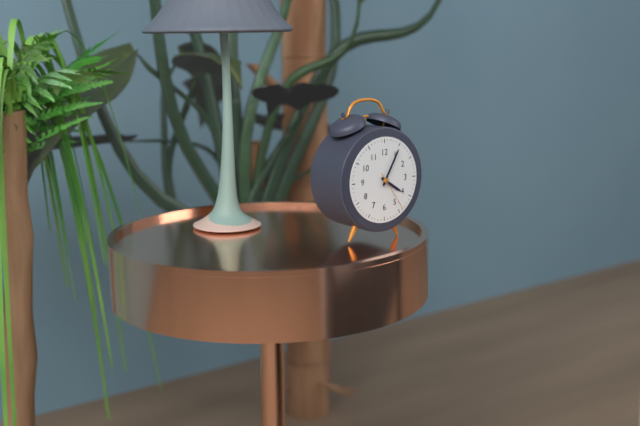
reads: 4,05
